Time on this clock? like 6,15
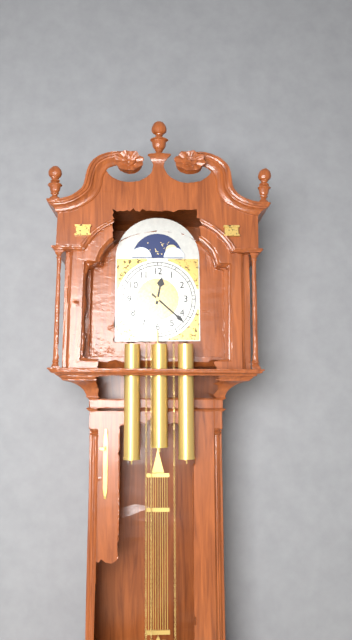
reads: 12,22
